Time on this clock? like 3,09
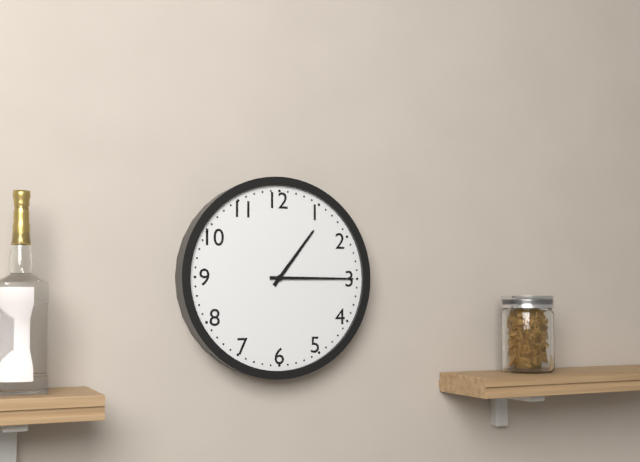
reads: 1,15
